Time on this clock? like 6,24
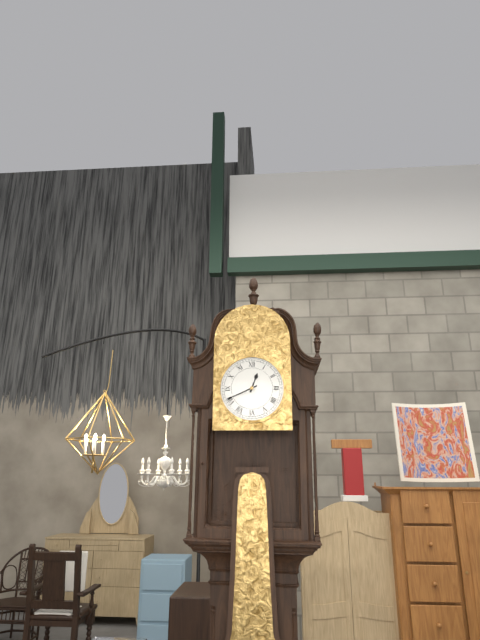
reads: 12,41
